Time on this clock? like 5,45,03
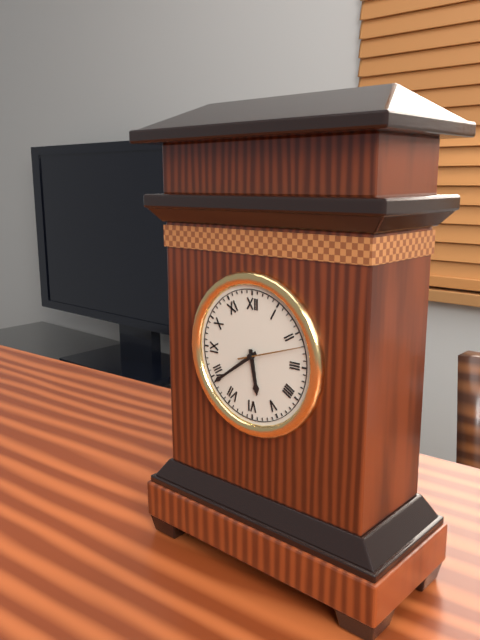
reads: 5,39,12
